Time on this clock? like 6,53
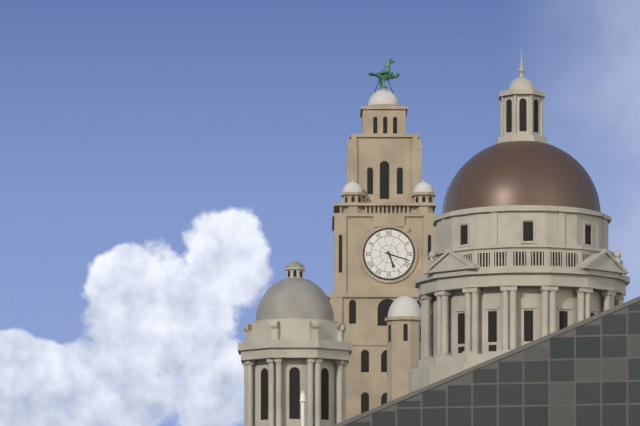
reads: 5,18
